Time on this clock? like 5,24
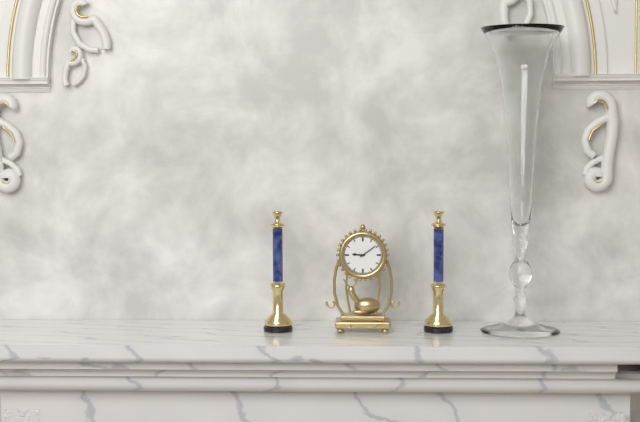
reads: 9,09
